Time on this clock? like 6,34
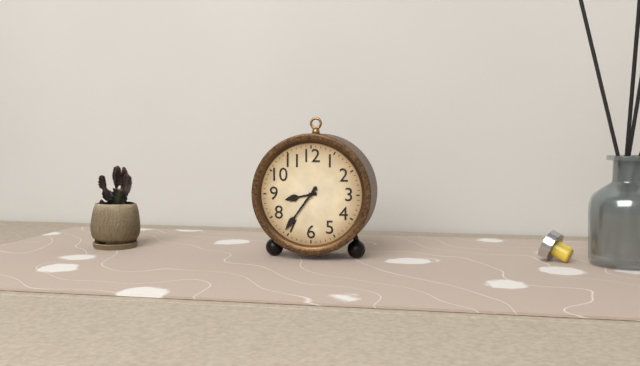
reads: 8,36
